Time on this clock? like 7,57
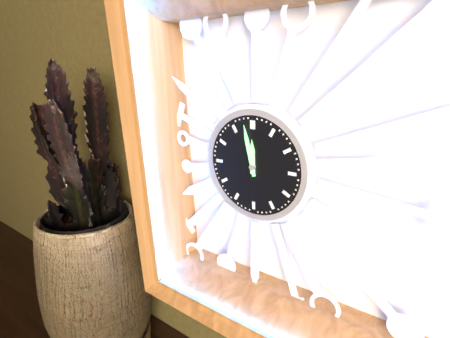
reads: 11,58
